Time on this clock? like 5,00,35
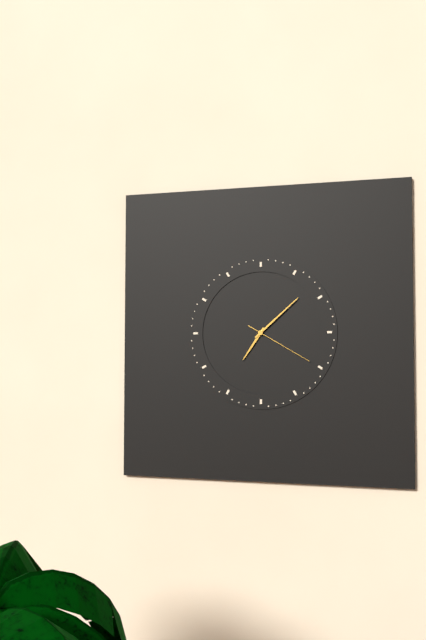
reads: 7,08,20
